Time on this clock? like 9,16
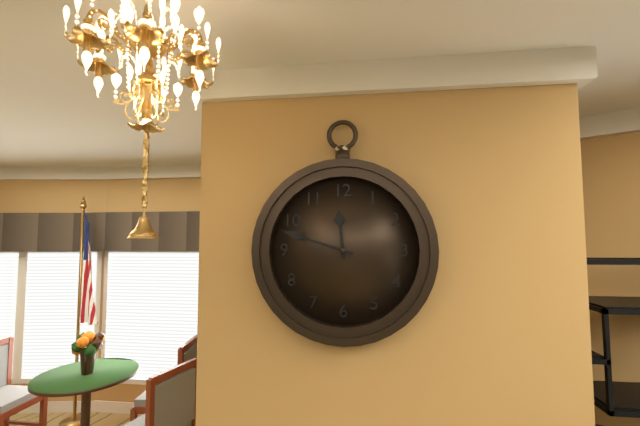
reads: 11,48
